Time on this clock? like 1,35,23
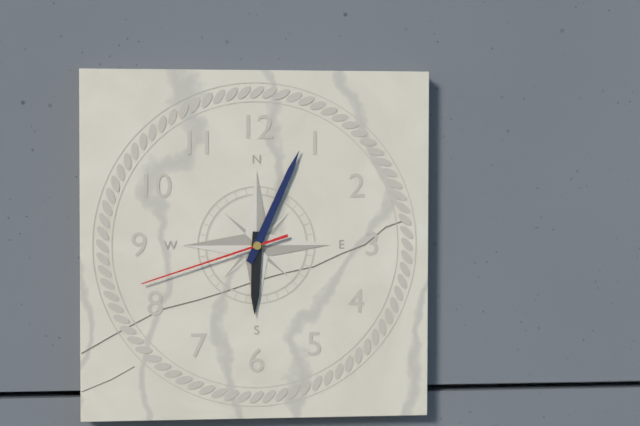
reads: 6,04,42
